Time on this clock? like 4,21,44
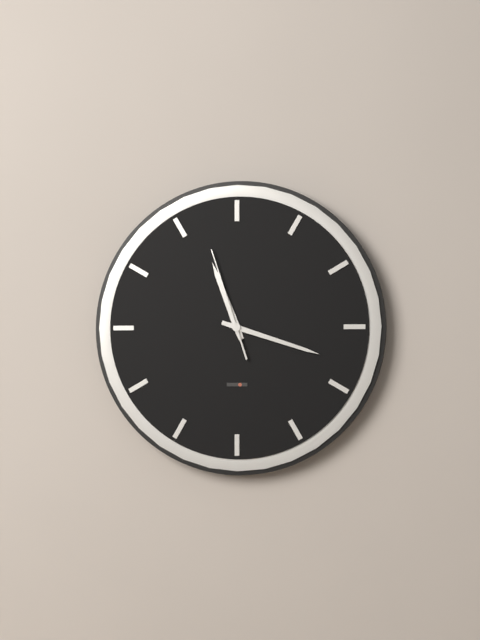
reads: 11,18,57
